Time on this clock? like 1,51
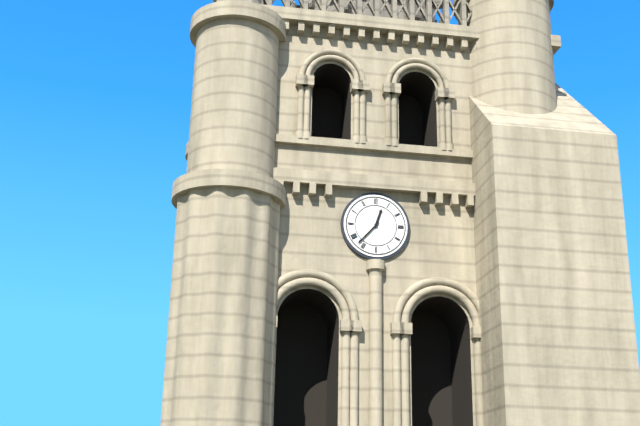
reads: 12,37
